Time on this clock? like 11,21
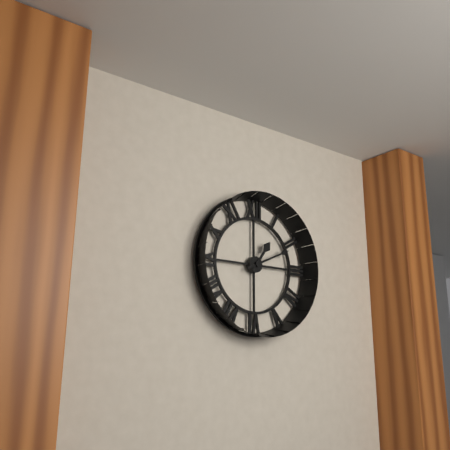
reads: 1,11
